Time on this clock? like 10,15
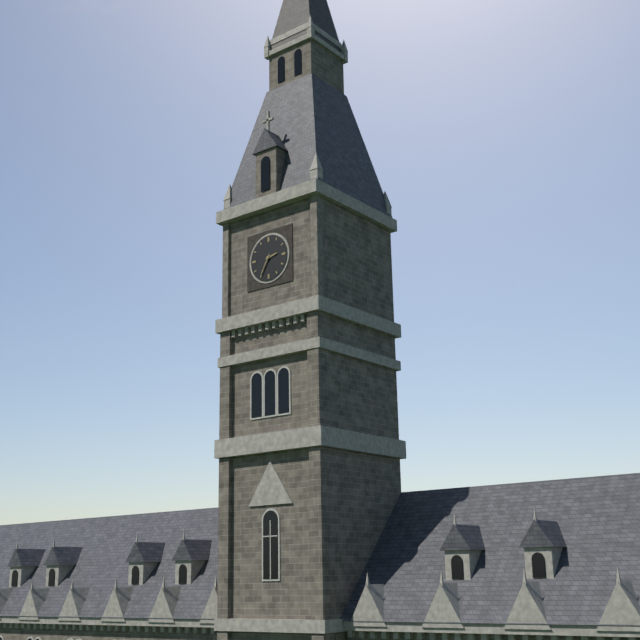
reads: 2,35
